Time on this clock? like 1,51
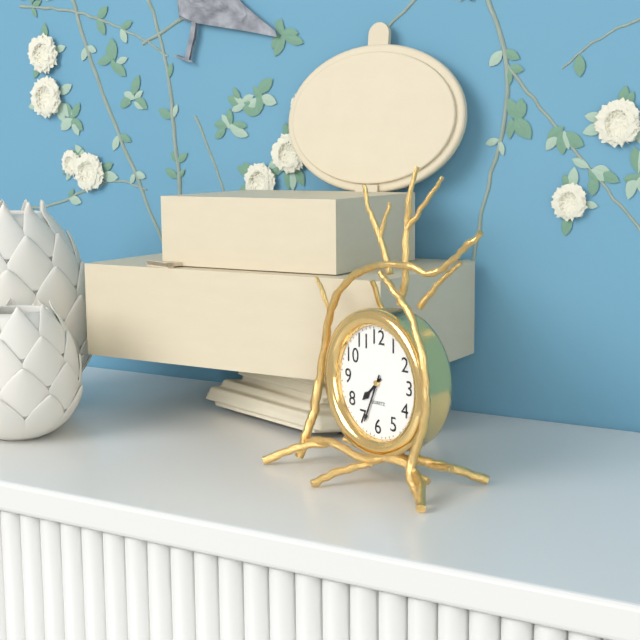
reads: 7,34
